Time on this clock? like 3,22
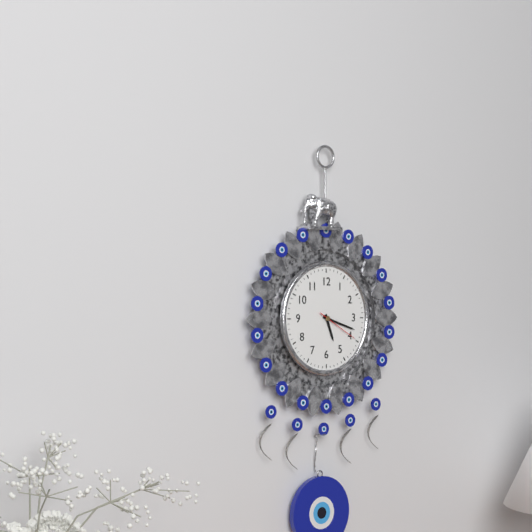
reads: 5,18
